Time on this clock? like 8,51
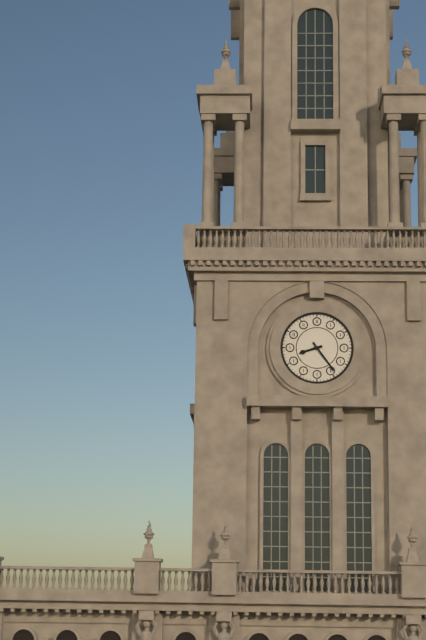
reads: 8,24
